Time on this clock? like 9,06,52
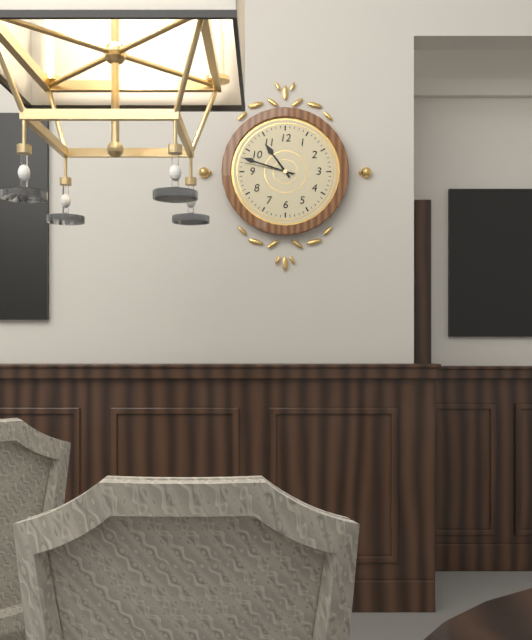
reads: 10,48,47
